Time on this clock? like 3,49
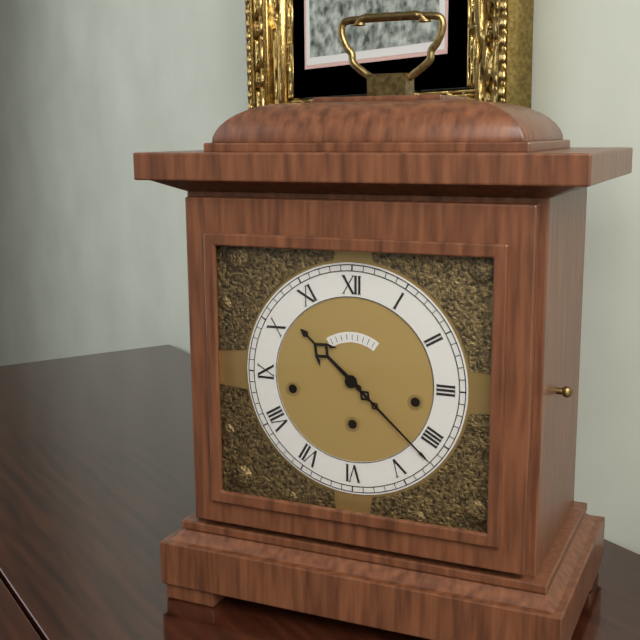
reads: 10,22
